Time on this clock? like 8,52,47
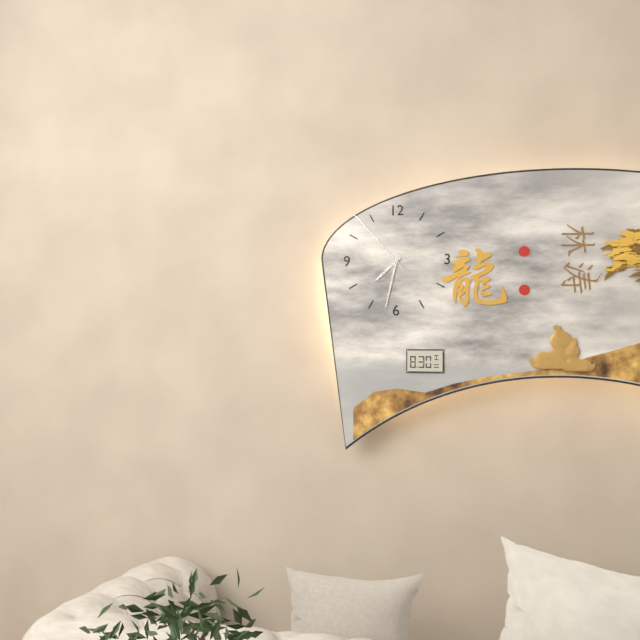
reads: 7,32,53
